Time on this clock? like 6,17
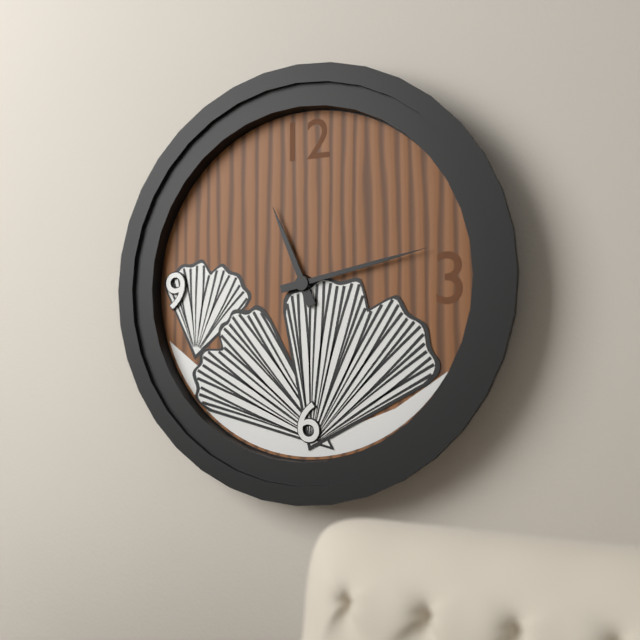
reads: 11,13
